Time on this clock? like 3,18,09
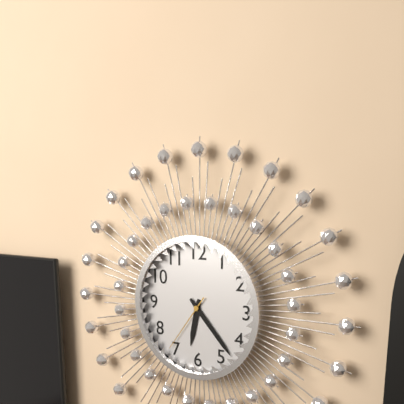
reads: 6,23,36
